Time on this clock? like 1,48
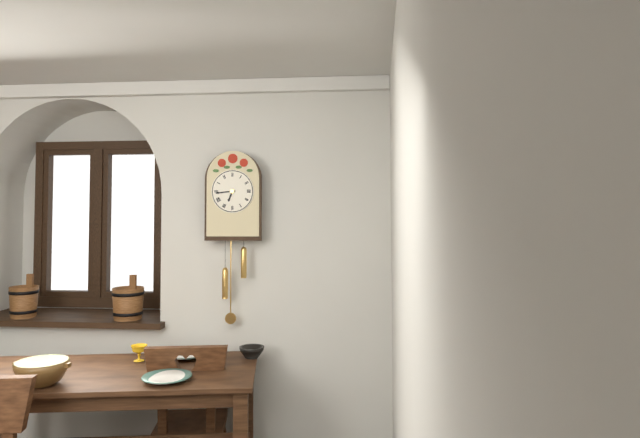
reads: 6,44
